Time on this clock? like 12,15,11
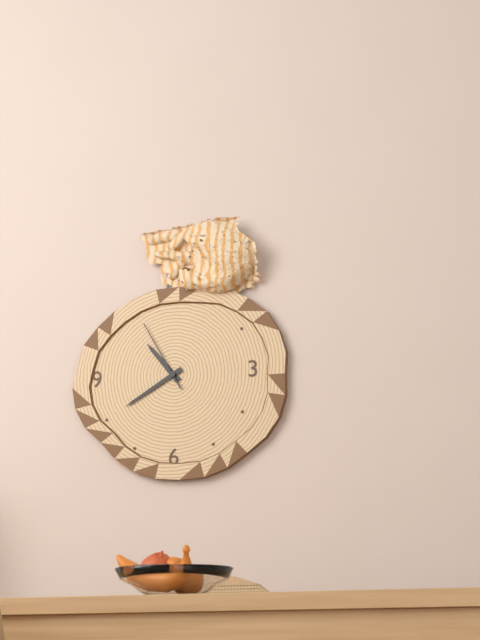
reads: 10,40,55
